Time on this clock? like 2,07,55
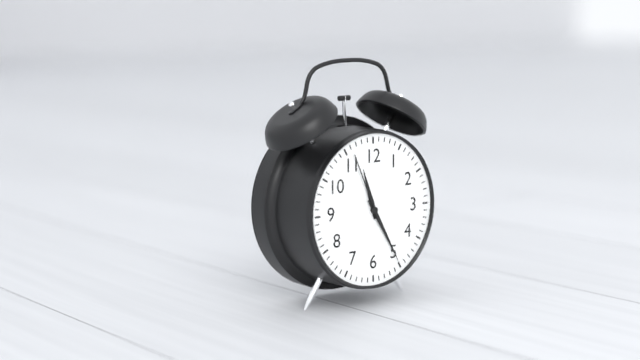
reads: 11,25,56
